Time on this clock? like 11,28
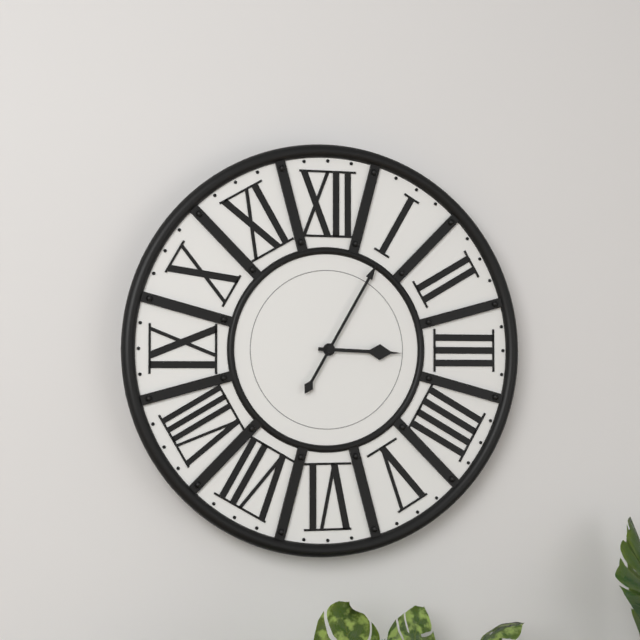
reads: 3,05
